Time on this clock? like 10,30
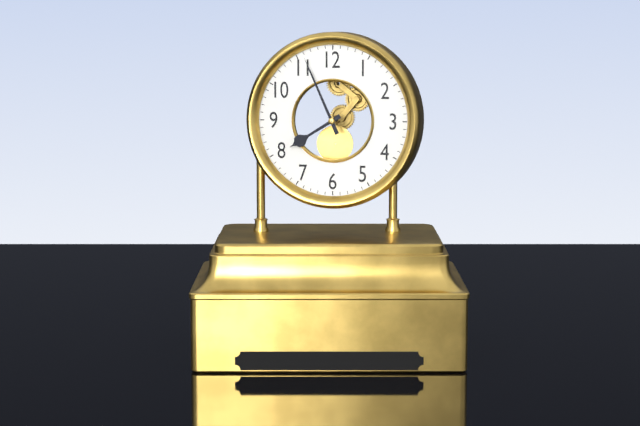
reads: 7,56
